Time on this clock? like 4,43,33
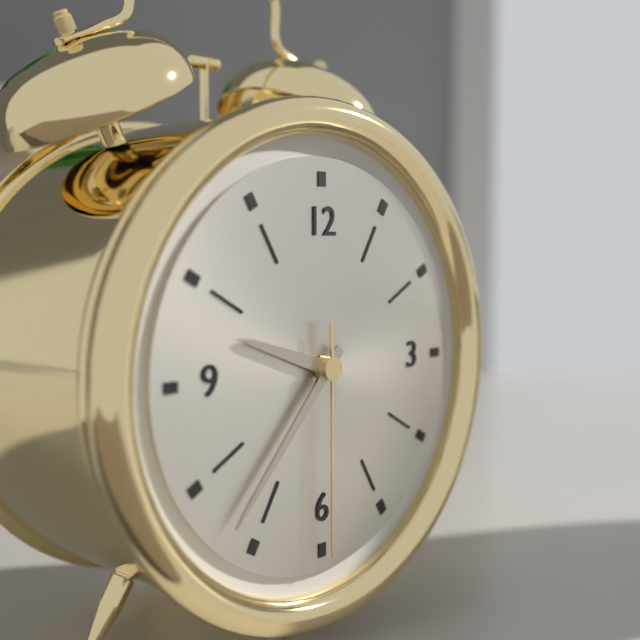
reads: 9,37,30
